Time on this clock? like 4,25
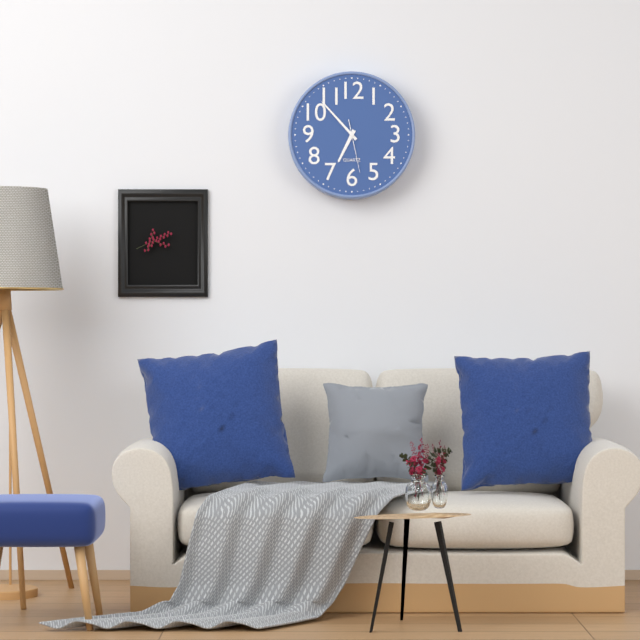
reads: 6,53
